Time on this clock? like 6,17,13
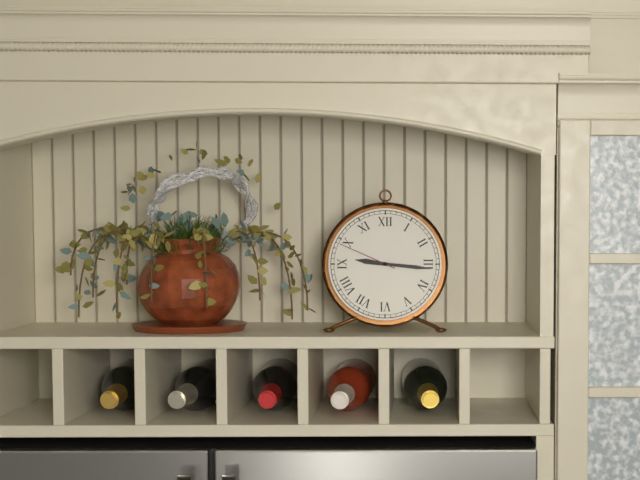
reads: 9,16,49
